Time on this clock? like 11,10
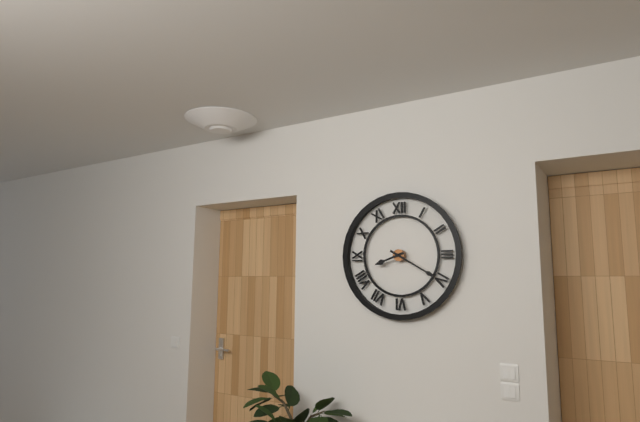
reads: 8,20
